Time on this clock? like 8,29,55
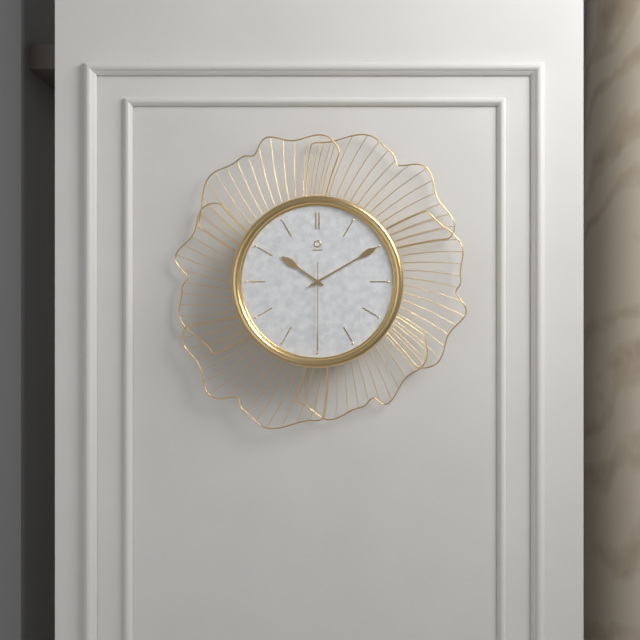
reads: 10,10,30
